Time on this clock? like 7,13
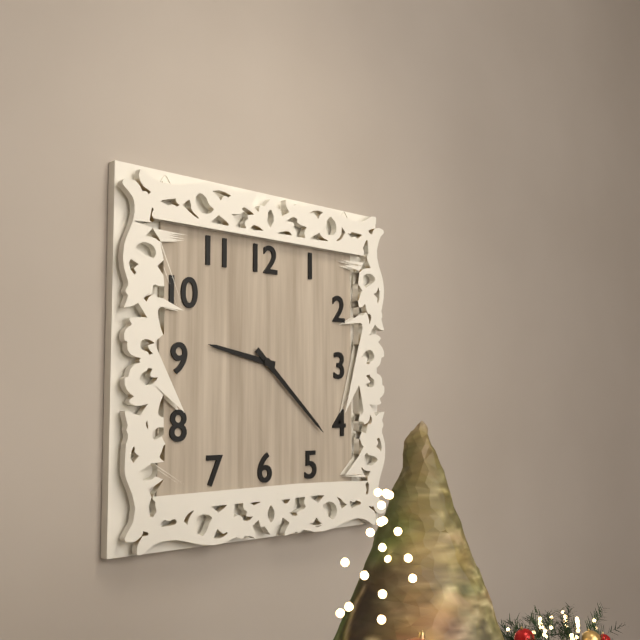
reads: 9,22
